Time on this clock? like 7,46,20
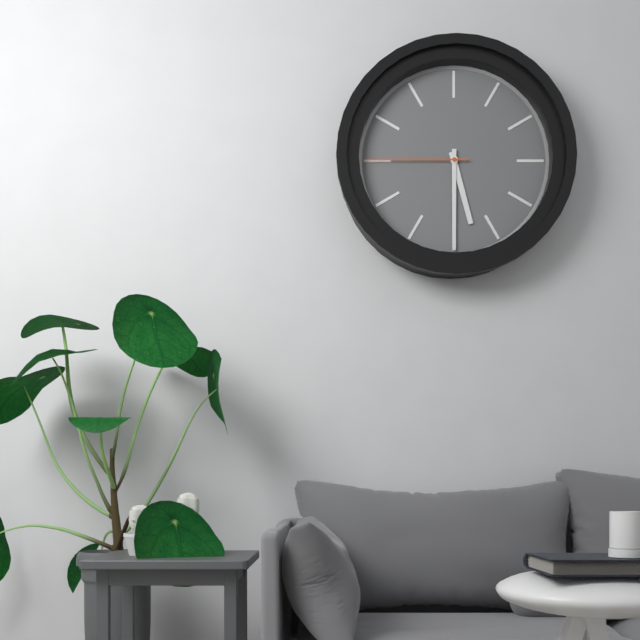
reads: 5,30,45
